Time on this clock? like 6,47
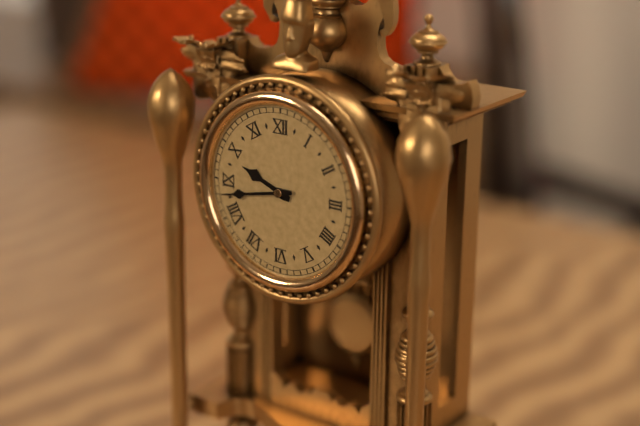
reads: 9,43
